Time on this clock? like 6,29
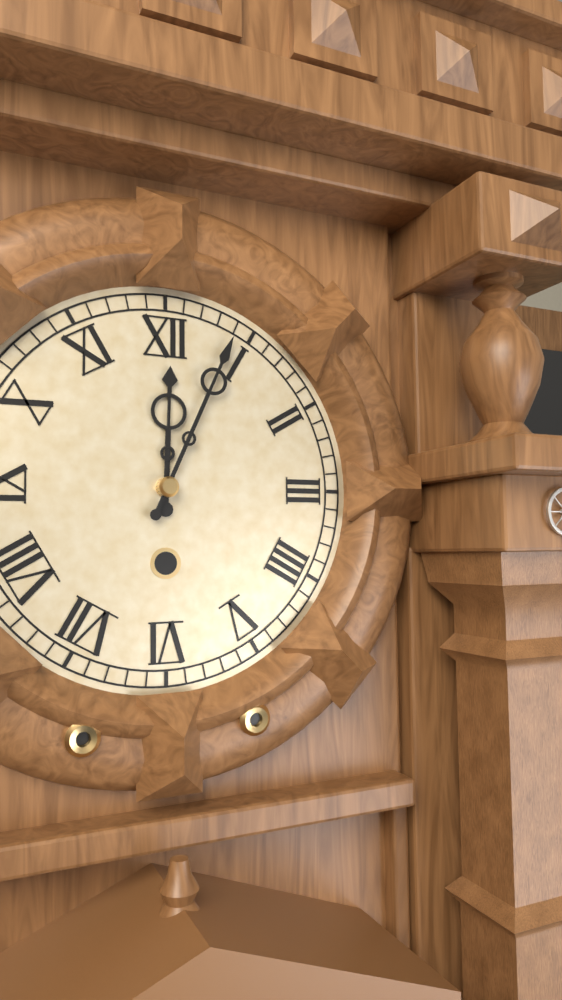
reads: 12,04
